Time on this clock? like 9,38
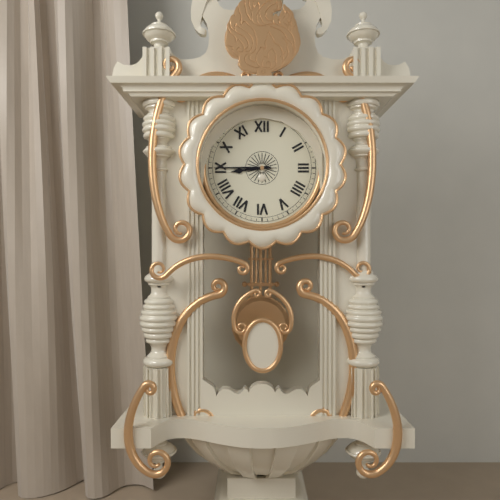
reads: 8,45
